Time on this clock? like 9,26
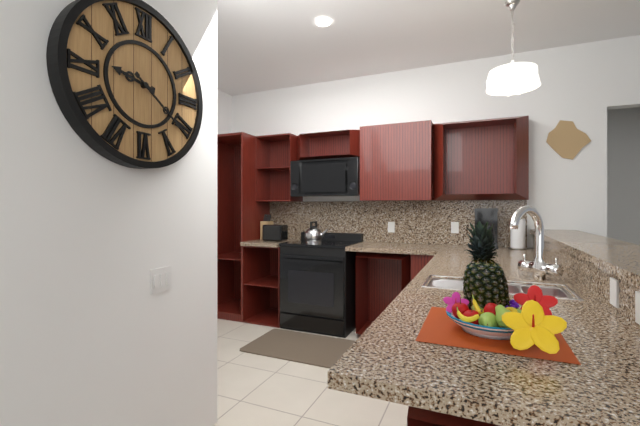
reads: 9,21
